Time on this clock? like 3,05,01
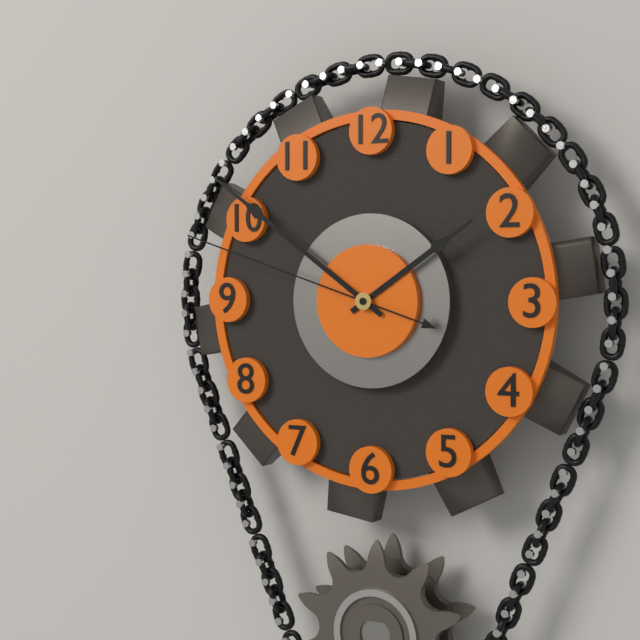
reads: 1,51,48
